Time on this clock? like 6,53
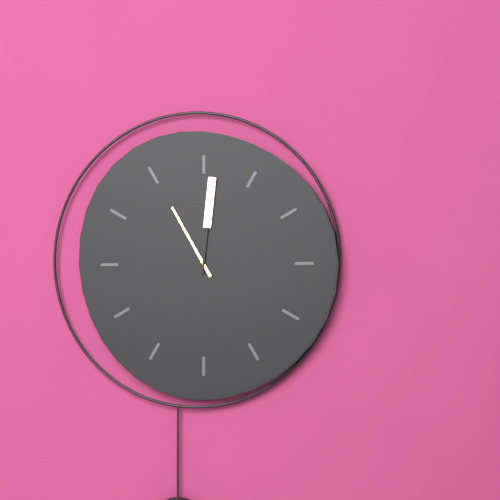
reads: 11,01
